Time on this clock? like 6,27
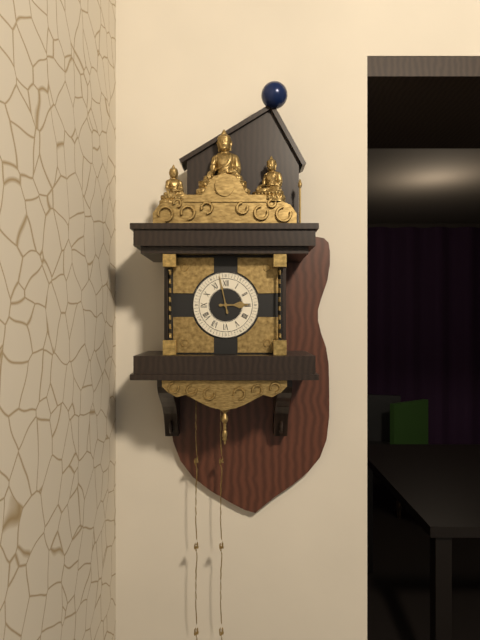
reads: 2,58
